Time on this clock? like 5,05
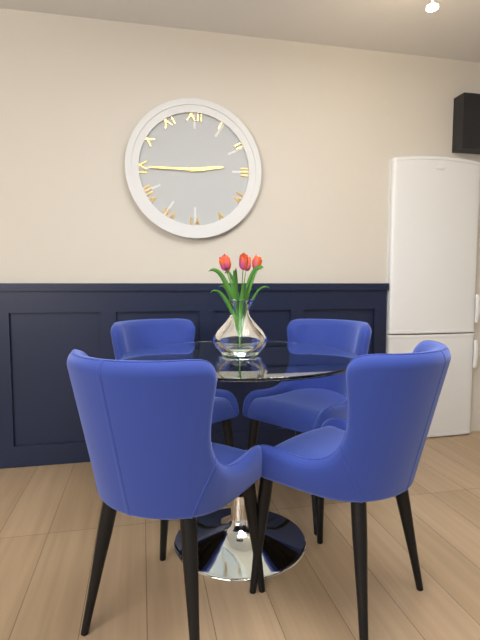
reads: 2,45
